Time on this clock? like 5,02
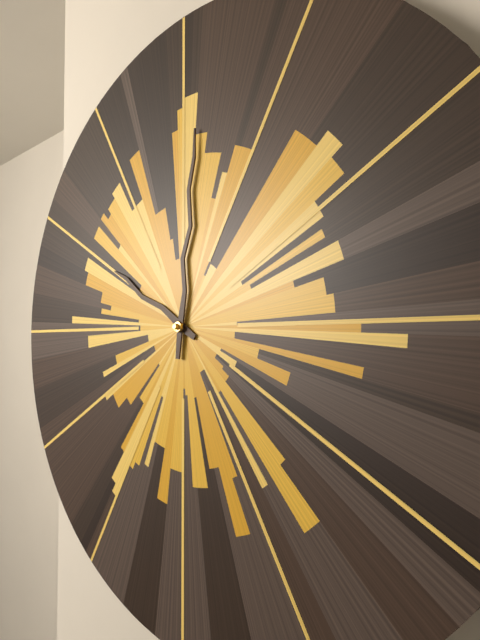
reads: 10,01
